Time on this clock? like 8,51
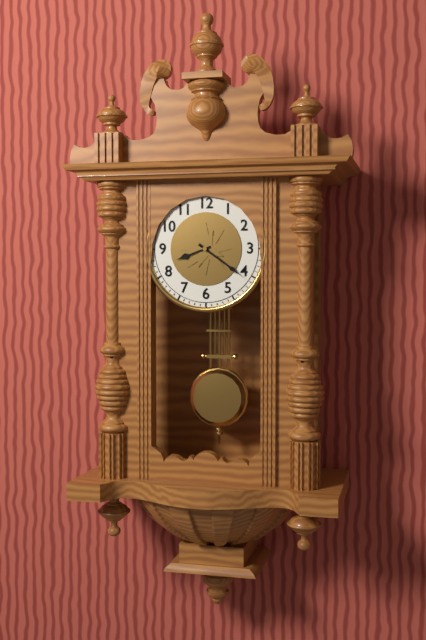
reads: 8,21
